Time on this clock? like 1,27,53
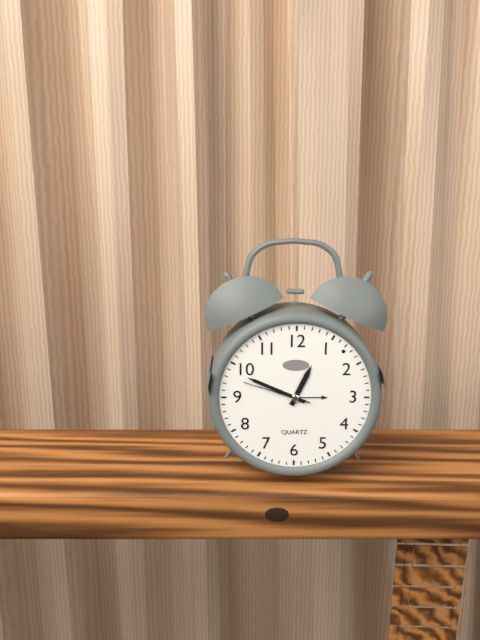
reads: 12,49,48
